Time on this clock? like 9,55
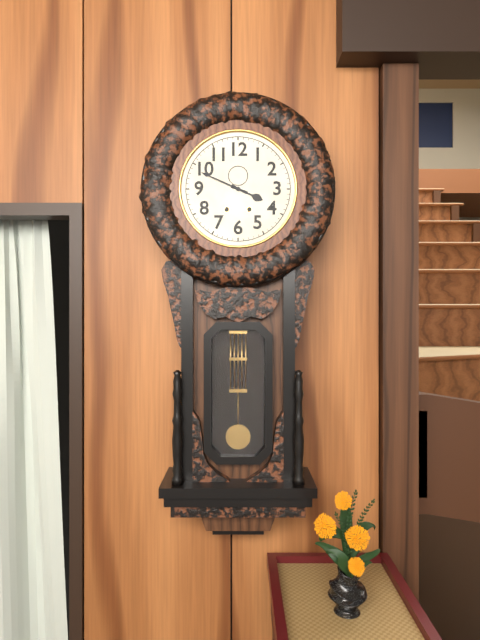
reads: 3,49
